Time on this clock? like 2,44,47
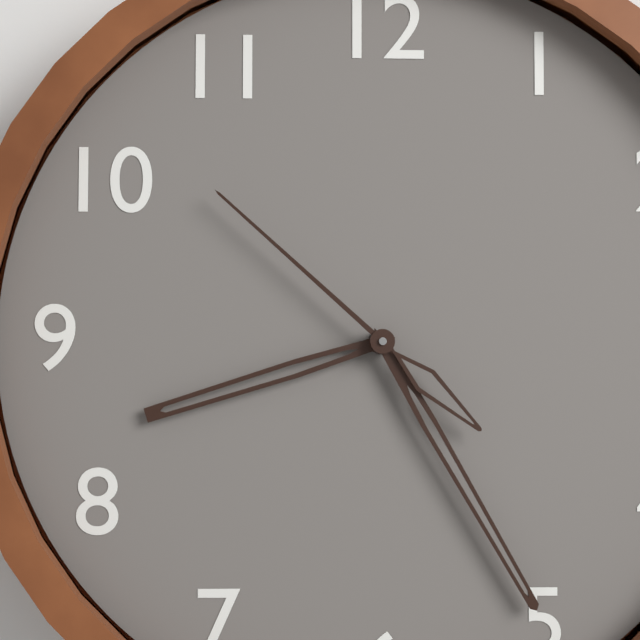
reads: 8,25,52
